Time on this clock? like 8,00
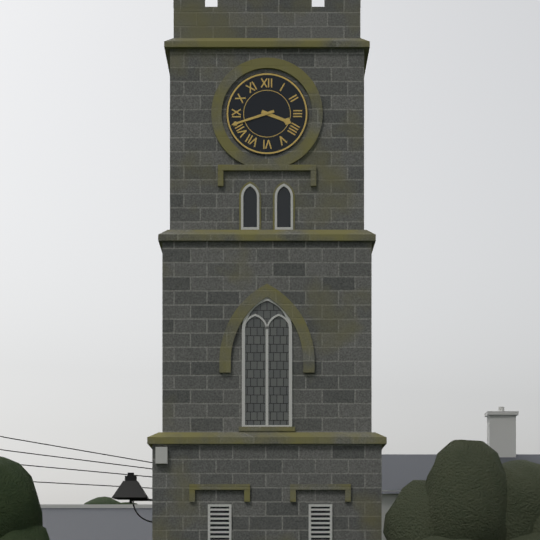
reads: 3,42
